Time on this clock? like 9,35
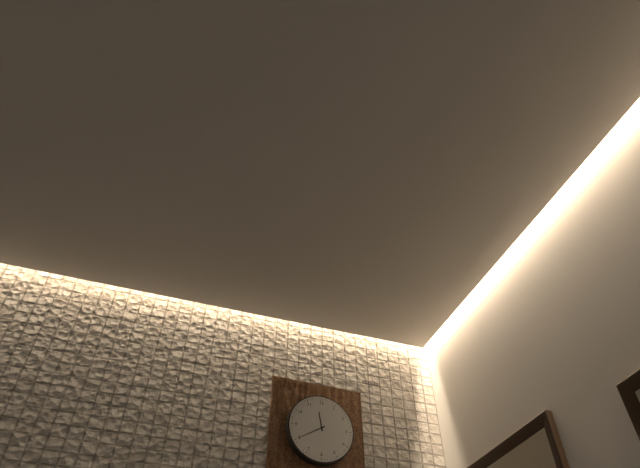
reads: 11,40
